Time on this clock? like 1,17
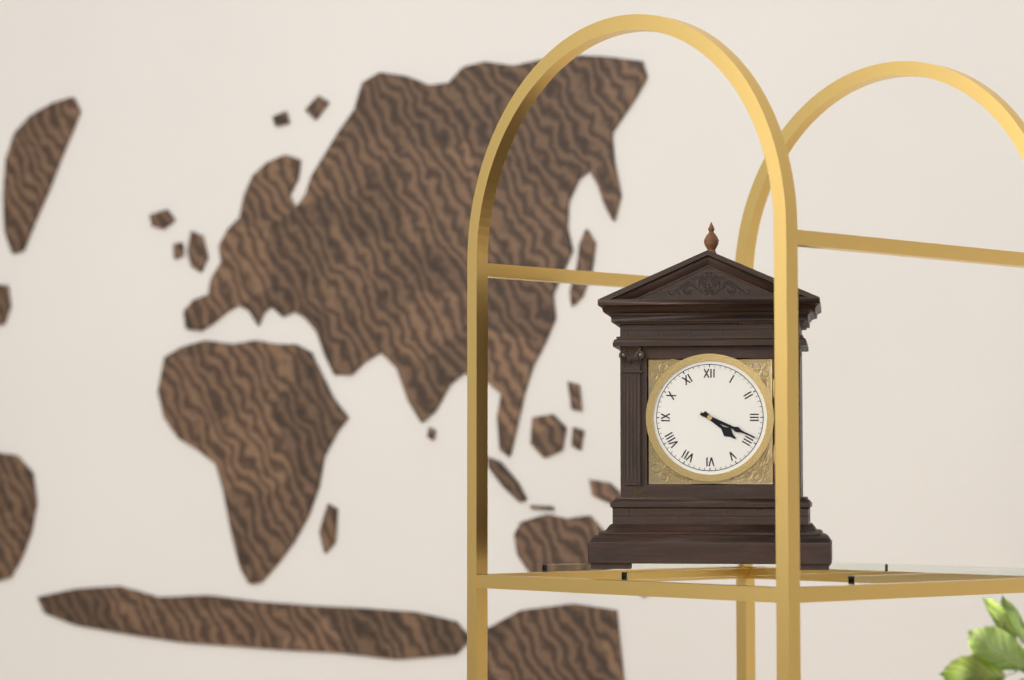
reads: 4,19
